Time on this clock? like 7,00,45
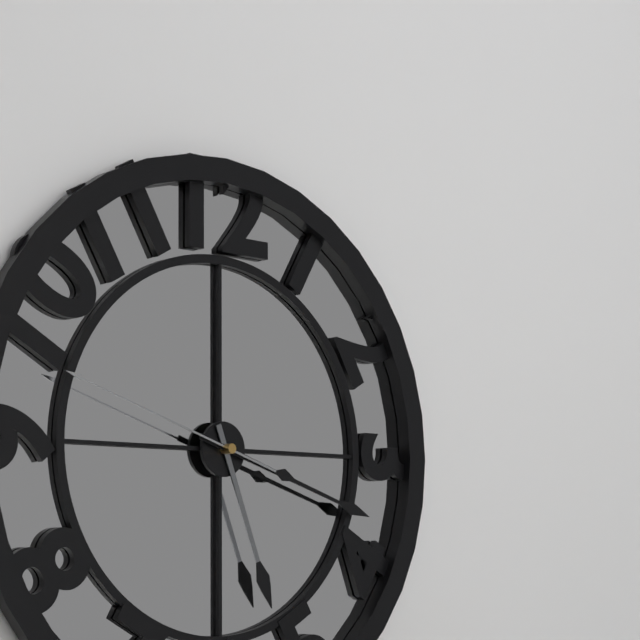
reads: 5,18,48
